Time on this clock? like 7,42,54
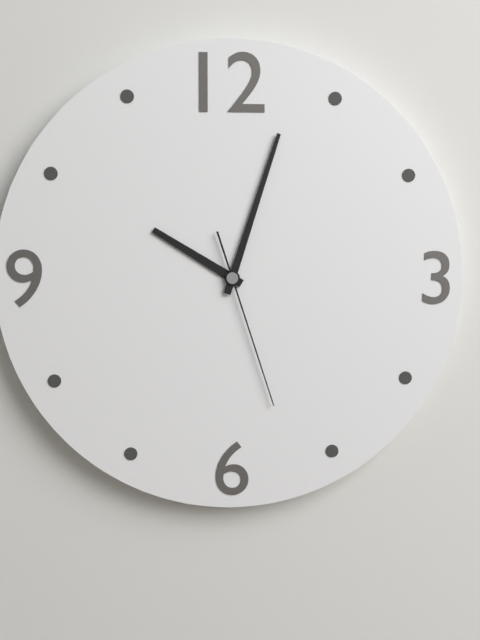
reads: 10,03,27
